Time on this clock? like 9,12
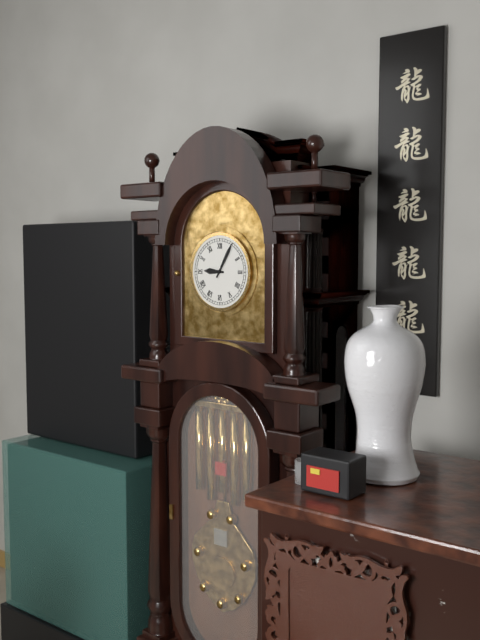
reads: 9,05
